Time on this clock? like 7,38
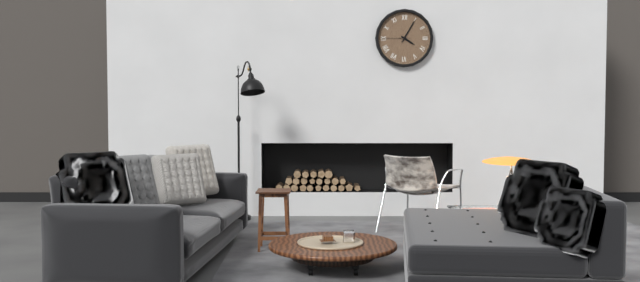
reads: 4,05
